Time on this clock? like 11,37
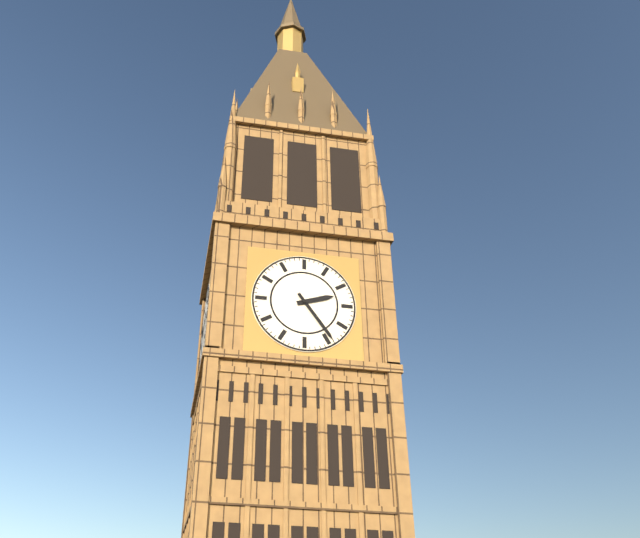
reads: 2,24
